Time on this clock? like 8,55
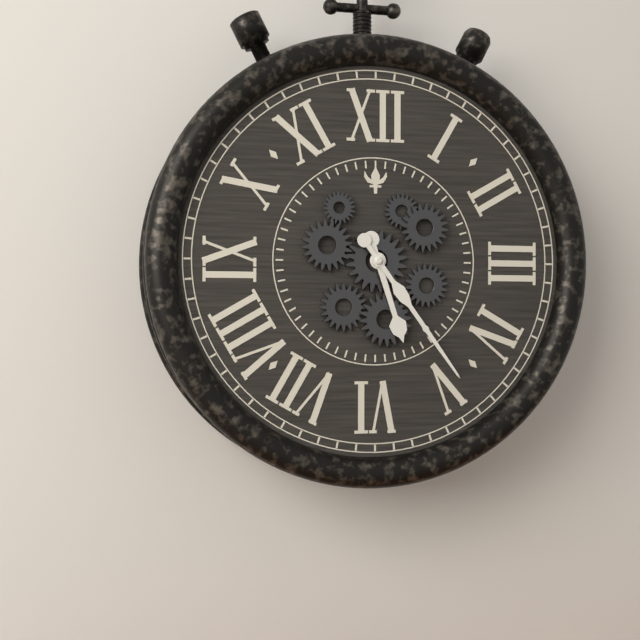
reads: 5,24
